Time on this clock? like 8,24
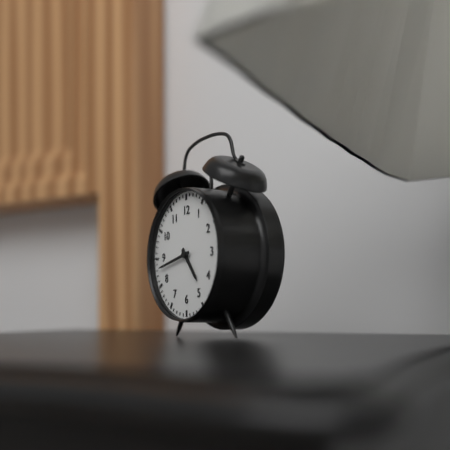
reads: 4,43
